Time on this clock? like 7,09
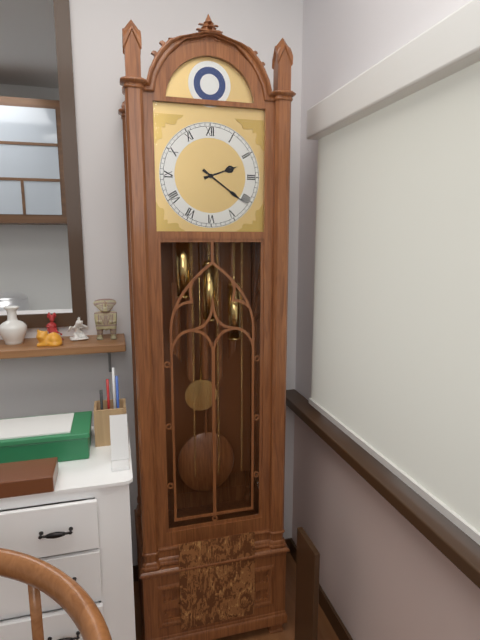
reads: 2,21
